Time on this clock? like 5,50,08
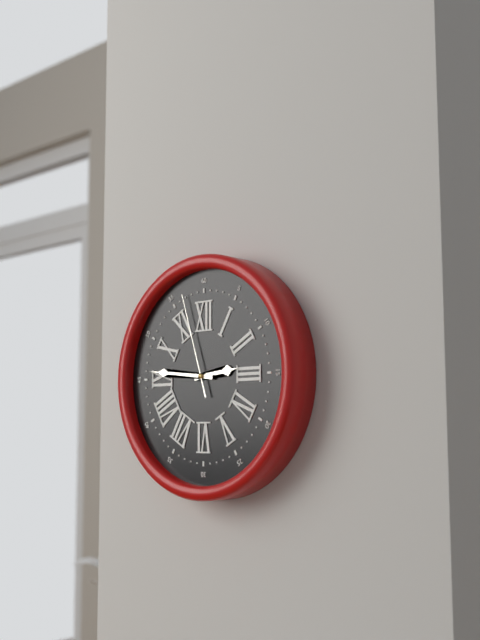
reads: 2,46,57
